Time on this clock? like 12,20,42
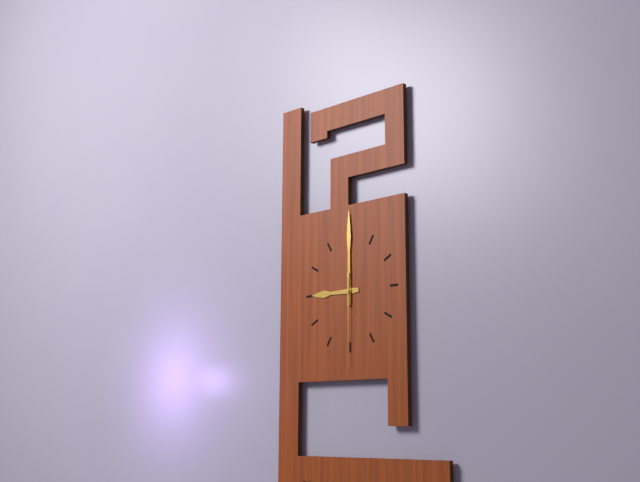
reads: 9,00,30
